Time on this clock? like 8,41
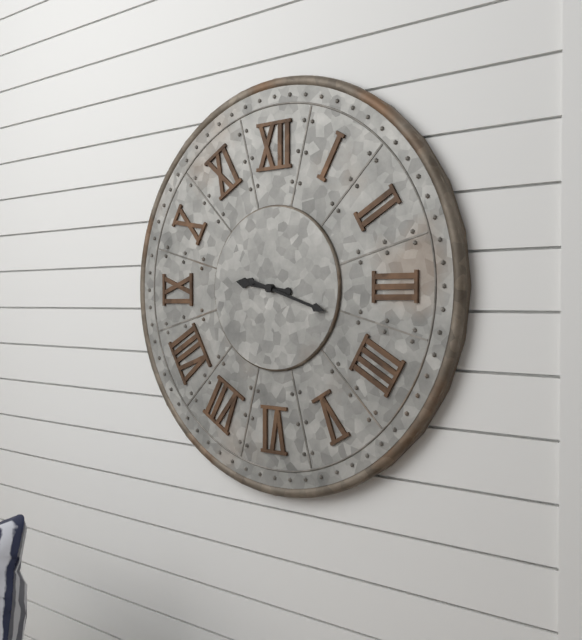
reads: 9,18
